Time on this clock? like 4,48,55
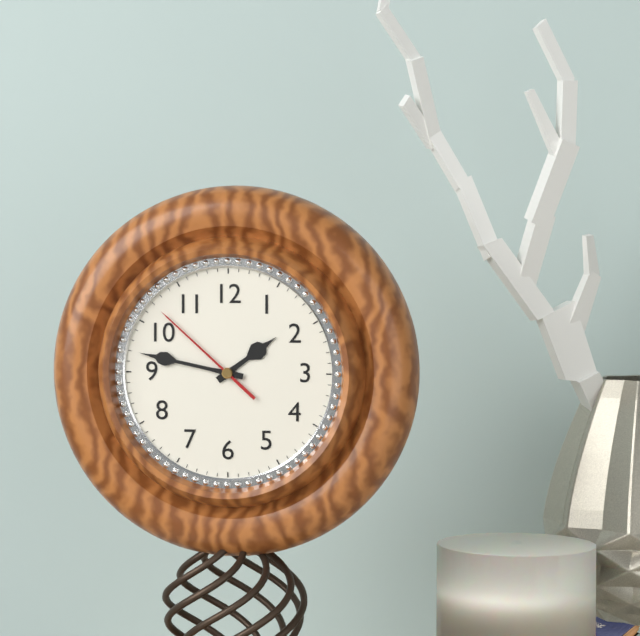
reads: 1,47,52
